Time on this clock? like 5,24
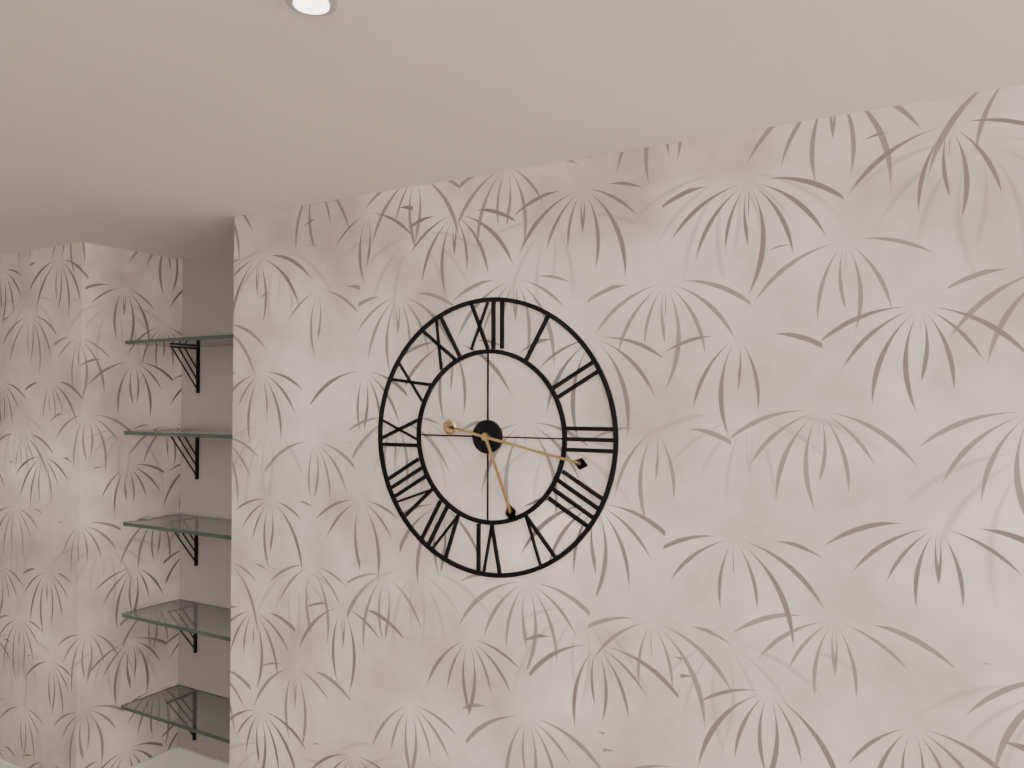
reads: 5,17
